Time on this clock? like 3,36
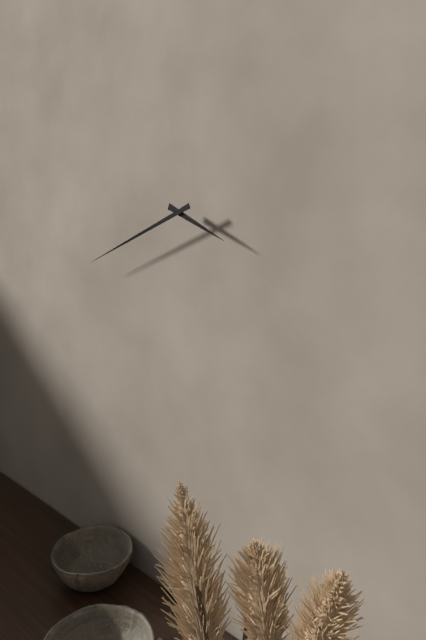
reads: 3,41
